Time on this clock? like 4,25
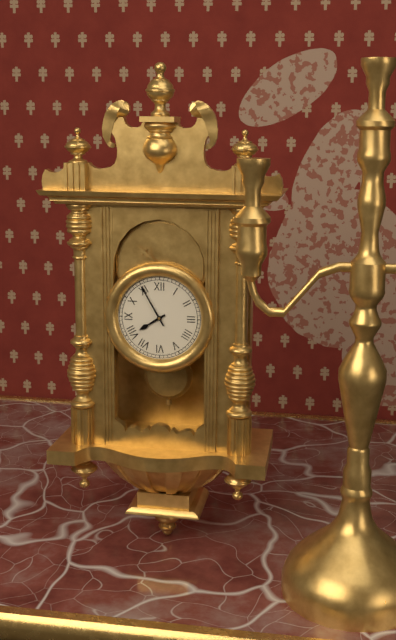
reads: 7,55
